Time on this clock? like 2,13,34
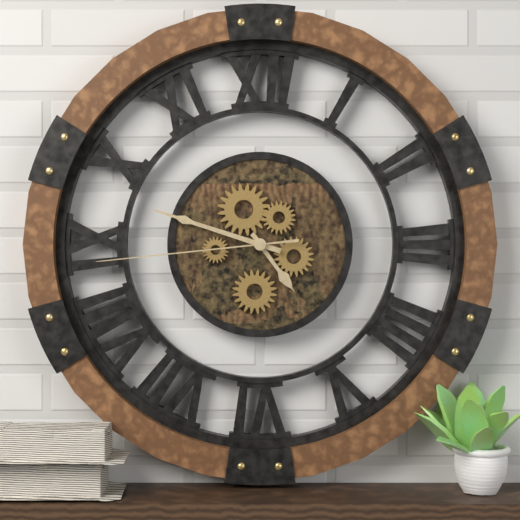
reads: 4,48,44
